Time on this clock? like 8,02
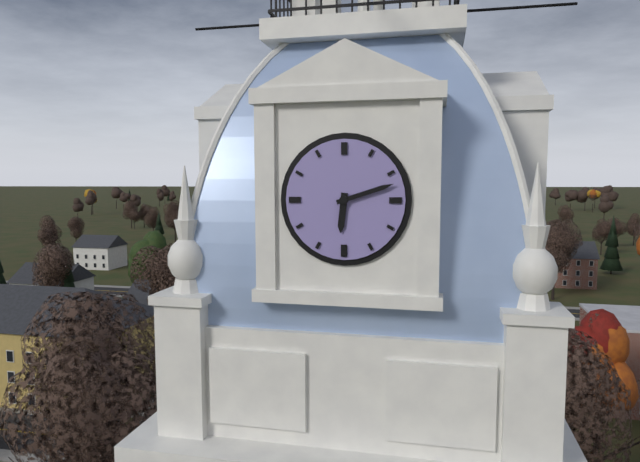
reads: 6,12
